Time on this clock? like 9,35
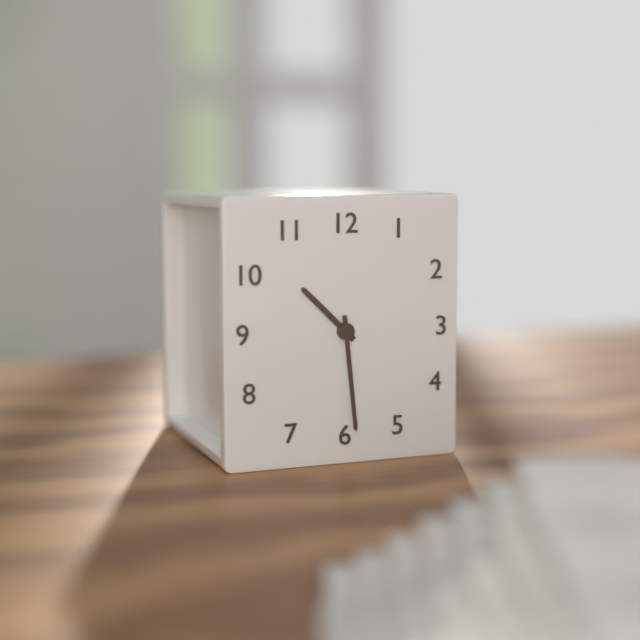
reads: 10,29
